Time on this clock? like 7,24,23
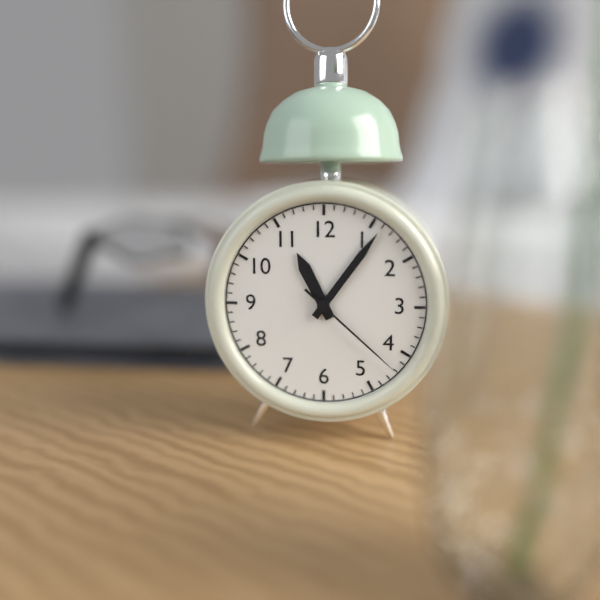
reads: 11,06,22
